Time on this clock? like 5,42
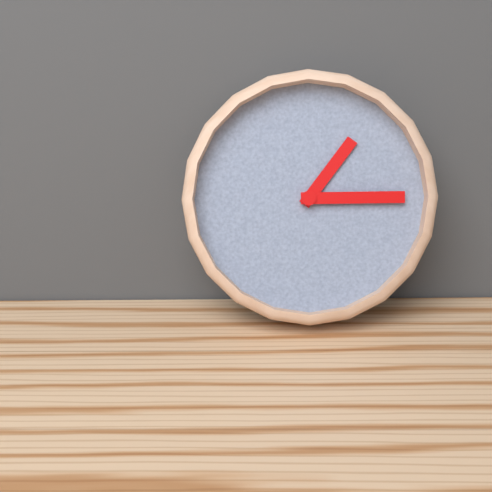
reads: 1,15
